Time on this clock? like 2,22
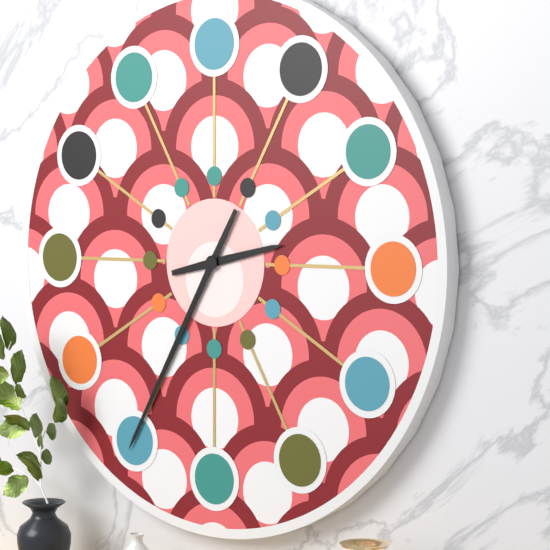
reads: 2,35
